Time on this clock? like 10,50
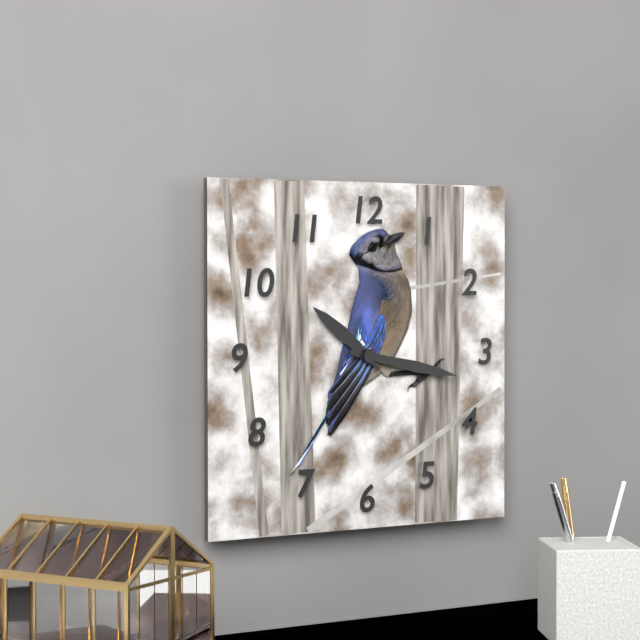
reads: 10,17
